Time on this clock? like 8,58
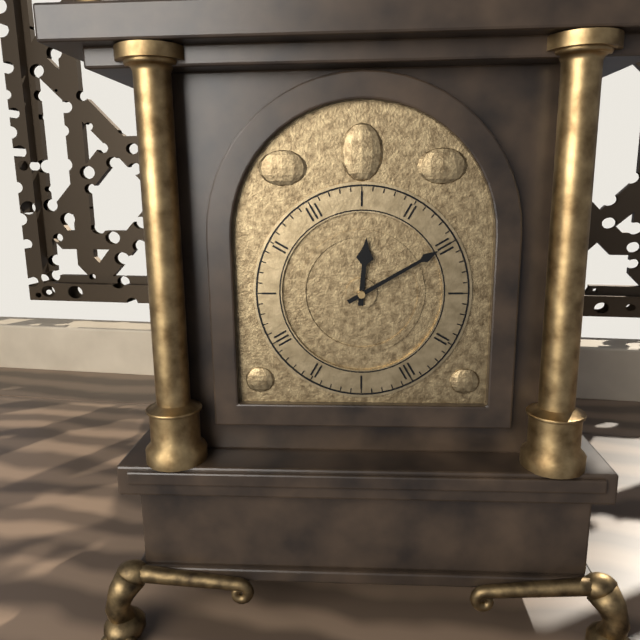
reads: 12,10
